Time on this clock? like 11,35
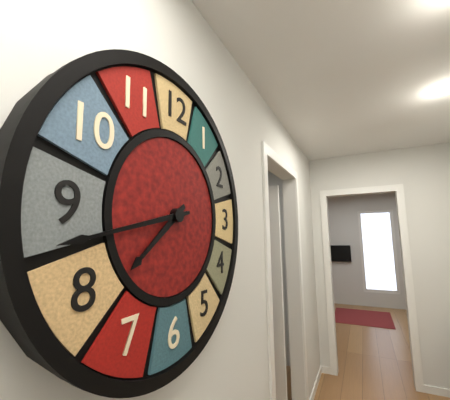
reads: 7,43
